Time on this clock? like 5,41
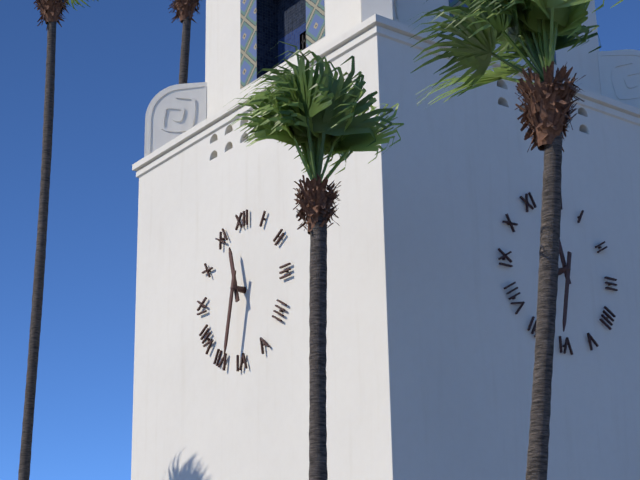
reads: 11,32
